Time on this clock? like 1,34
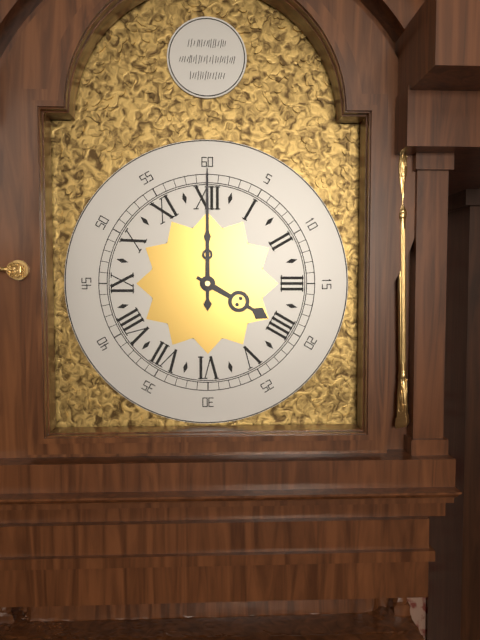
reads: 4,00
